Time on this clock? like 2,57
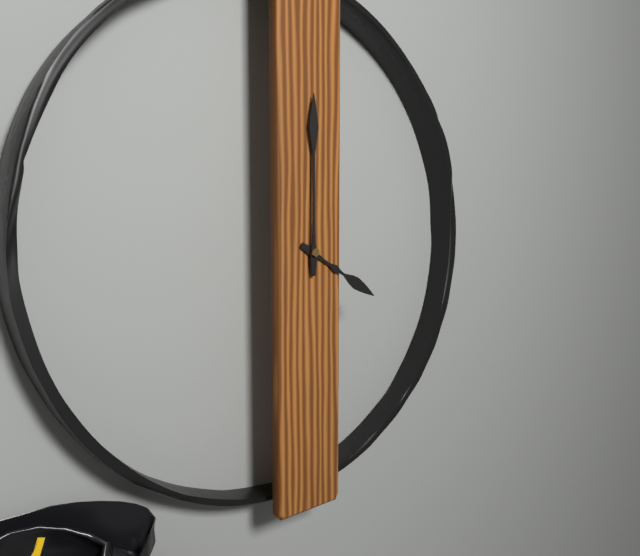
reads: 4,00
